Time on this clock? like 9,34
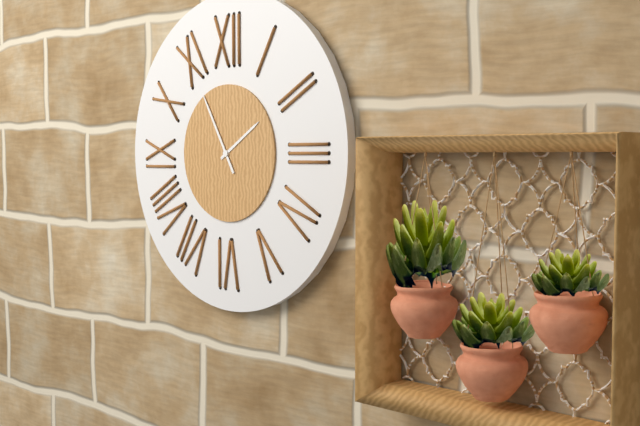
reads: 1,55
